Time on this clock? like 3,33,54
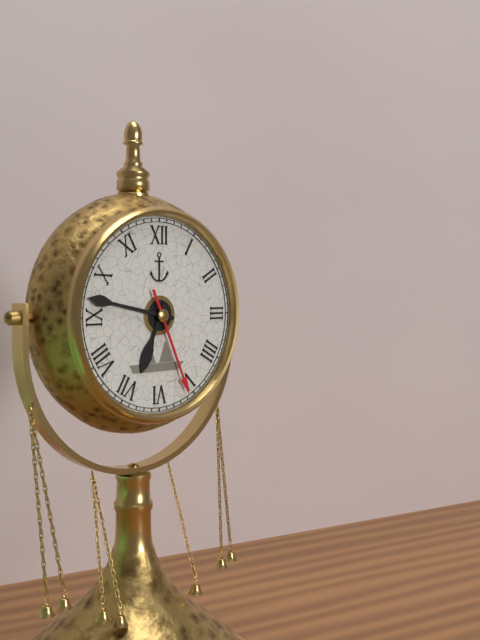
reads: 6,47,26
